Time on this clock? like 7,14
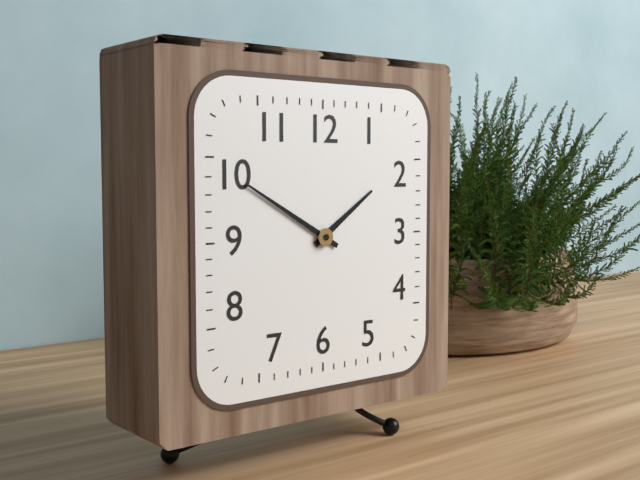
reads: 1,50
